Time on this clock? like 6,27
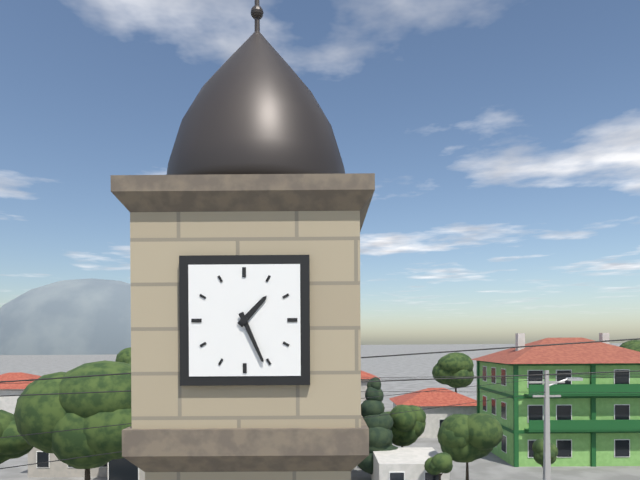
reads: 1,26
